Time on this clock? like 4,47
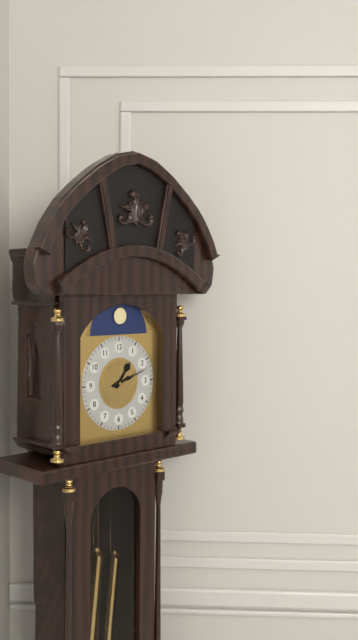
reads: 1,12
